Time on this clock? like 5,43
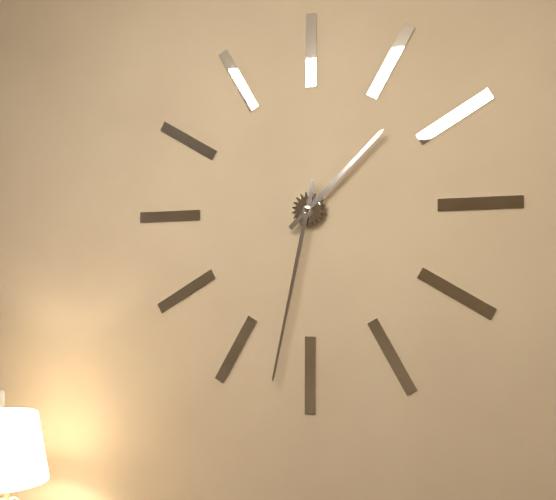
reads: 1,32
